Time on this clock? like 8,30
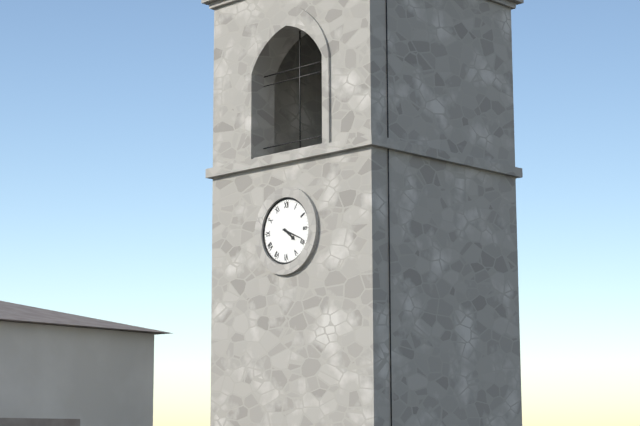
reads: 4,19
